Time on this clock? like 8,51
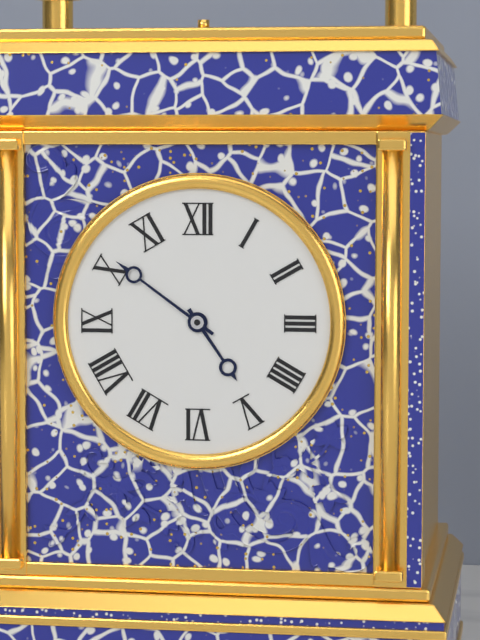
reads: 4,51
